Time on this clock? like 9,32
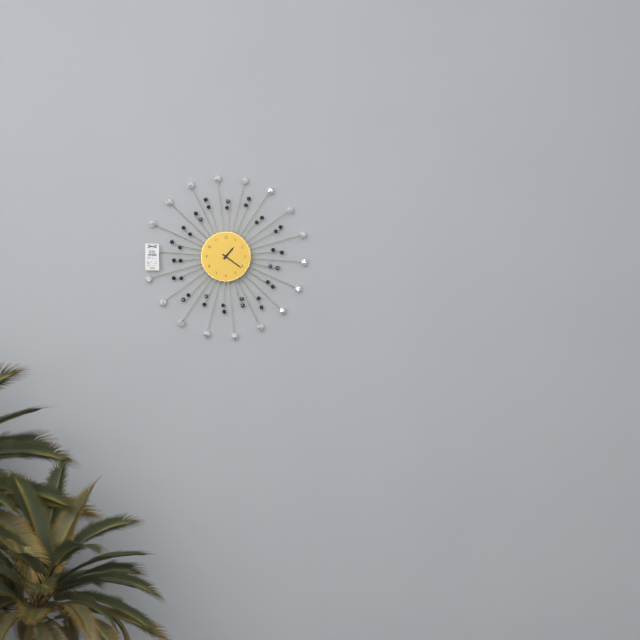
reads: 1,21
